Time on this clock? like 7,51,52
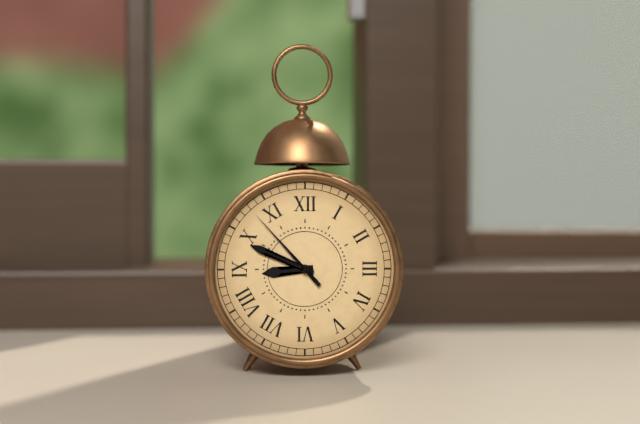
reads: 8,49,53
